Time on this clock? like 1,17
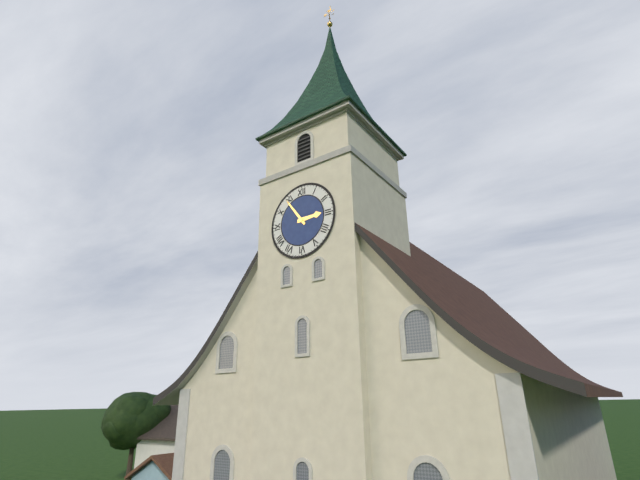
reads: 2,54
